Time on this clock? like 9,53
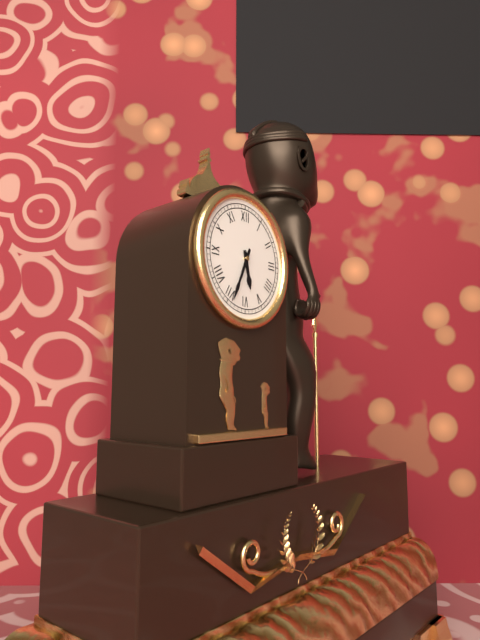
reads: 5,34
